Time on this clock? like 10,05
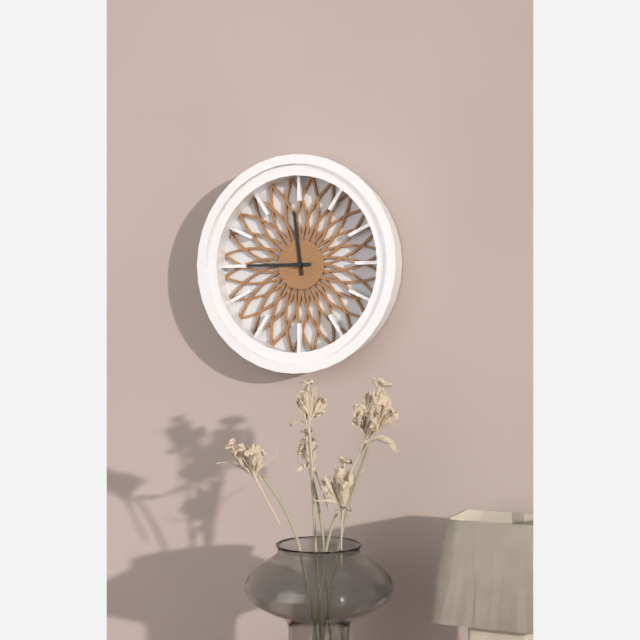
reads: 11,45
